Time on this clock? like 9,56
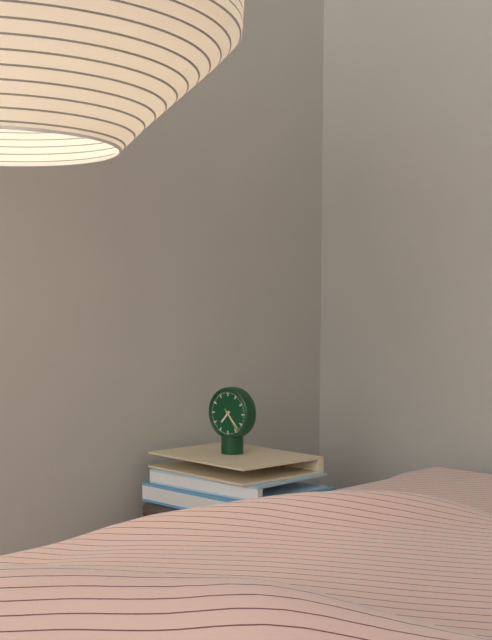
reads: 7,23
